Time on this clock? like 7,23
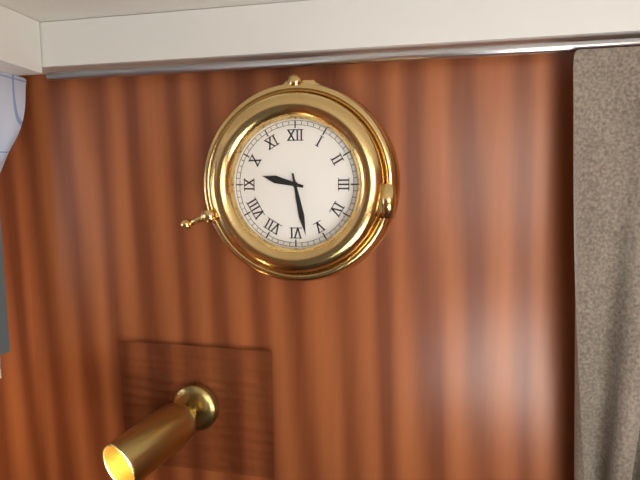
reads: 9,28
